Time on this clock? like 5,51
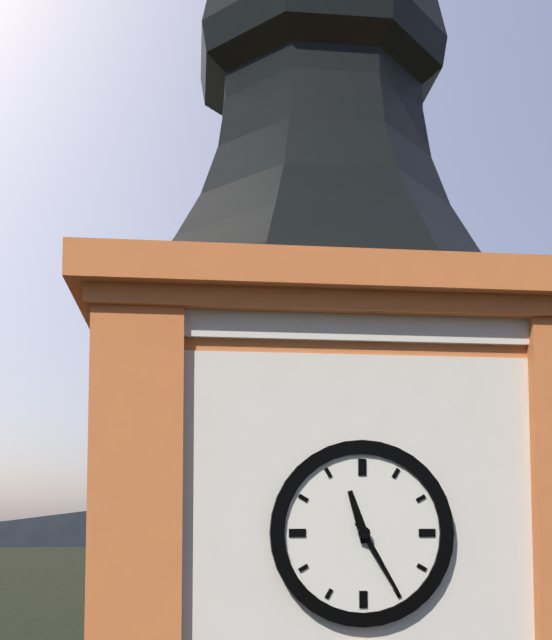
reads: 11,25
